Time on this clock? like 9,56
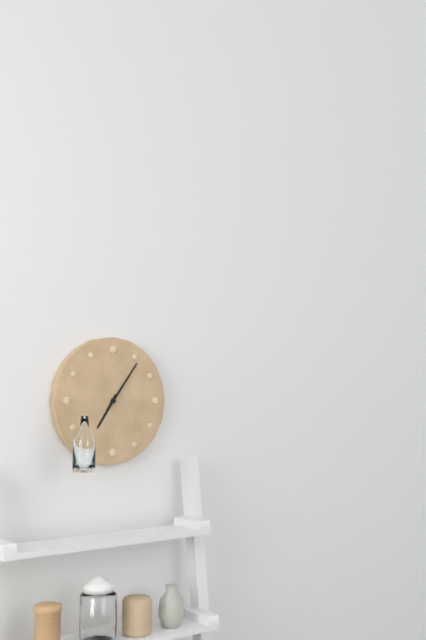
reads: 7,06
